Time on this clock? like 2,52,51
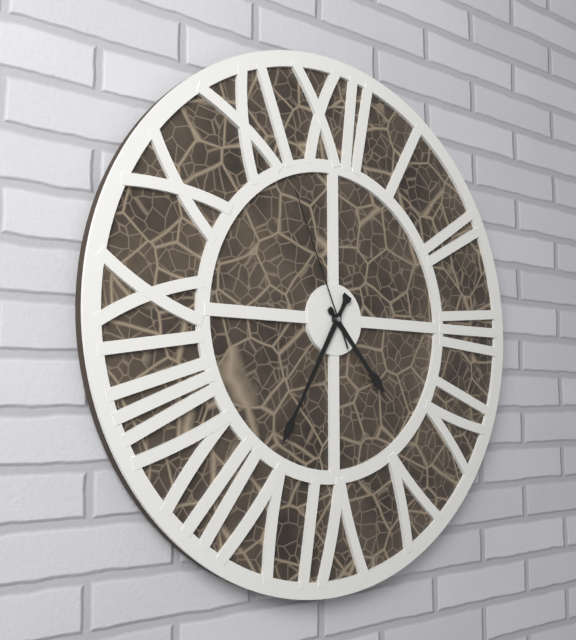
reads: 4,35,56
